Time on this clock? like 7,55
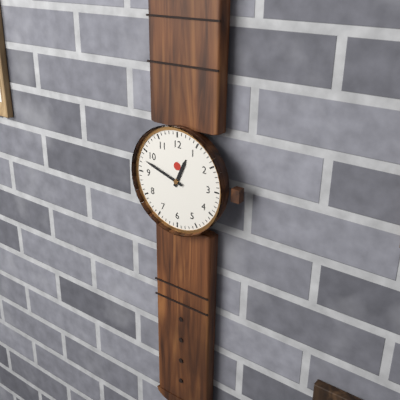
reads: 12,48
